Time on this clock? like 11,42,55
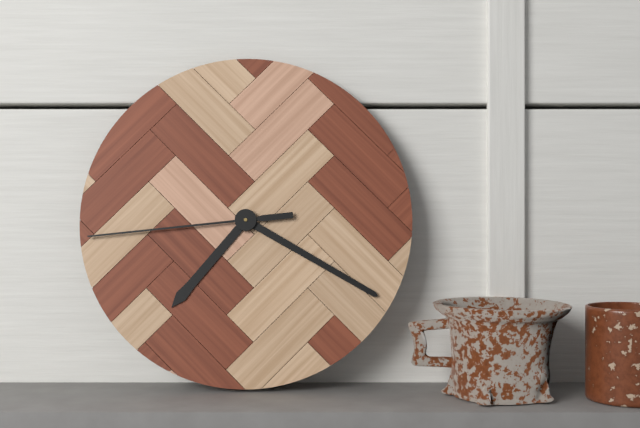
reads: 7,20,44
